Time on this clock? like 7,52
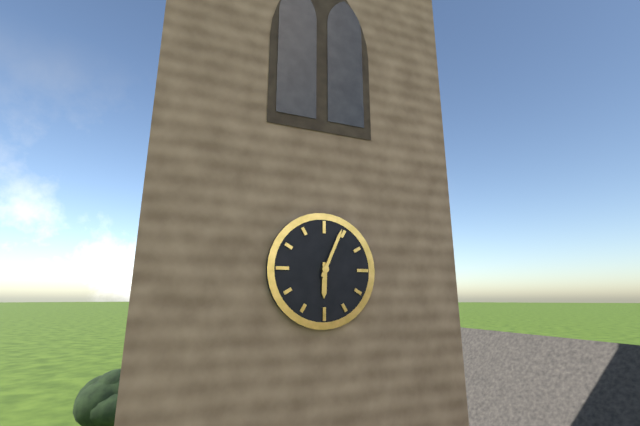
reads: 6,04
